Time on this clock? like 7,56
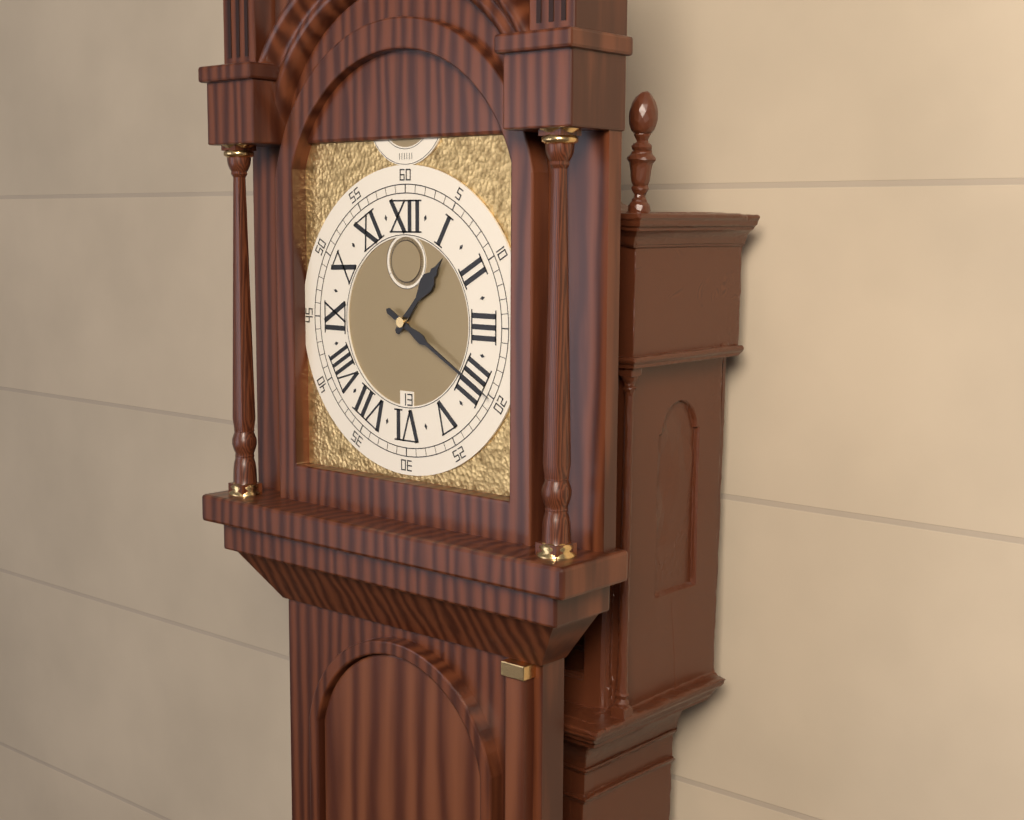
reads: 1,20
